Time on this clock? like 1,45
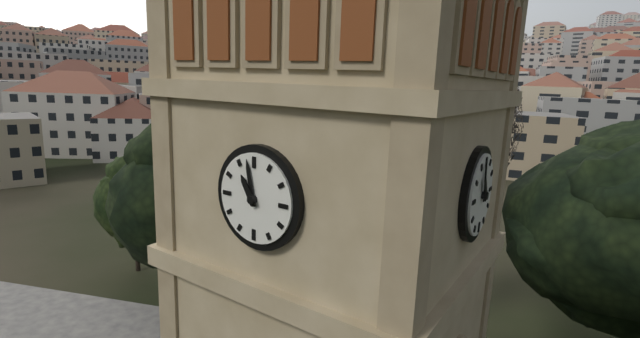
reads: 10,58
